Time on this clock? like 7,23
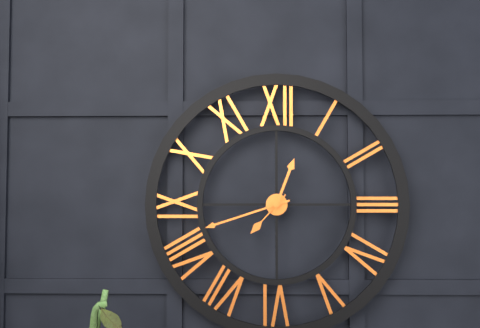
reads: 12,42
